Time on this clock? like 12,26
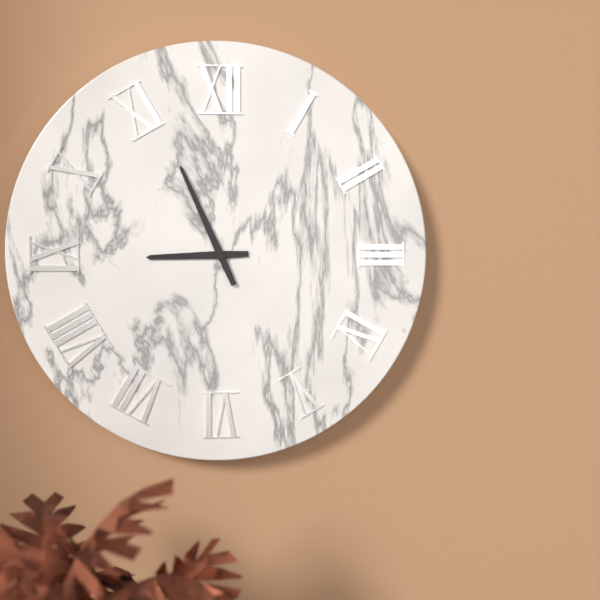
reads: 8,56
